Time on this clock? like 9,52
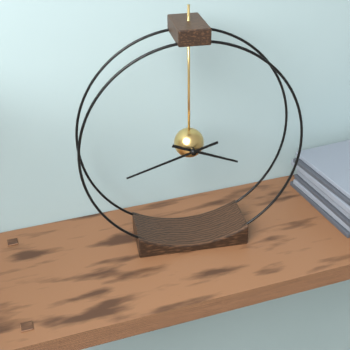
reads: 3,42
